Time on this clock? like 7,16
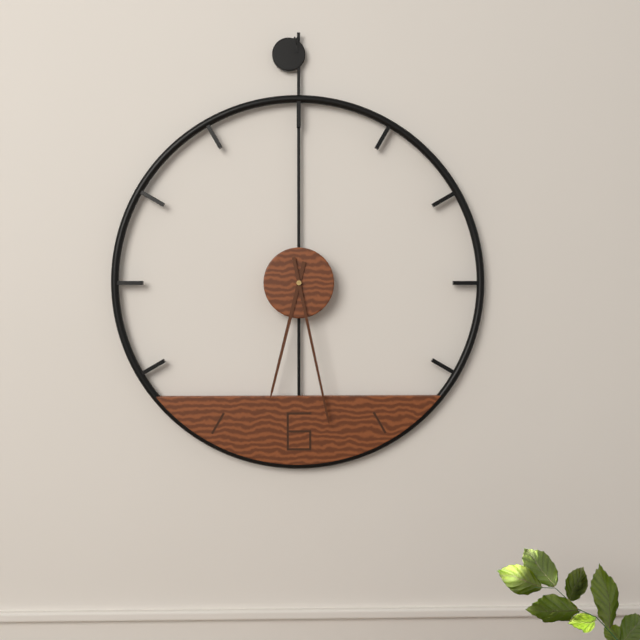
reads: 6,28
